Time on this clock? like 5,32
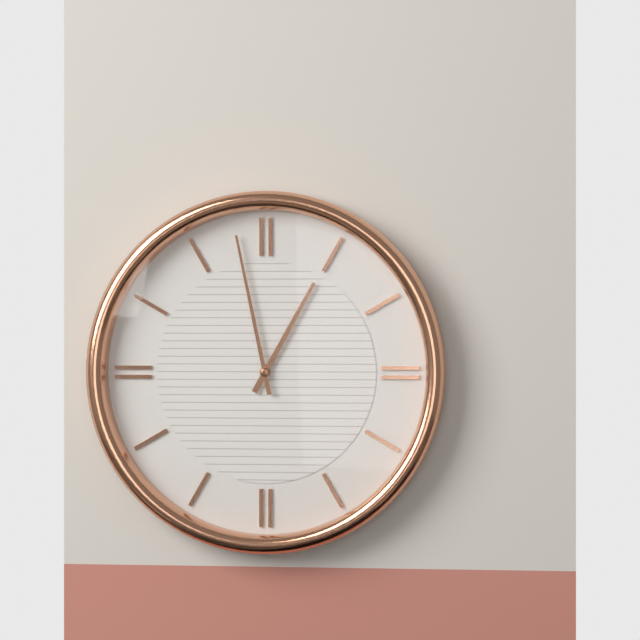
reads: 12,58
